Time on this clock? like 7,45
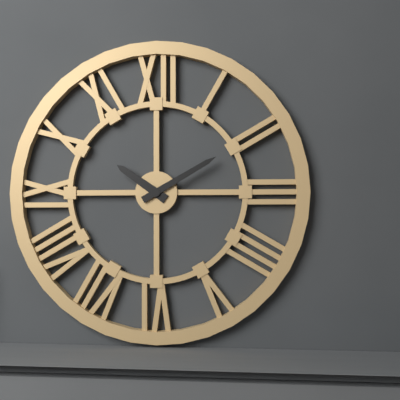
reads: 10,10
